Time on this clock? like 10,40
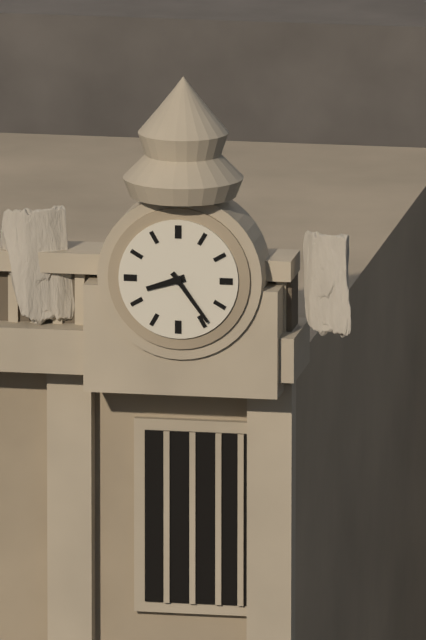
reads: 8,24
